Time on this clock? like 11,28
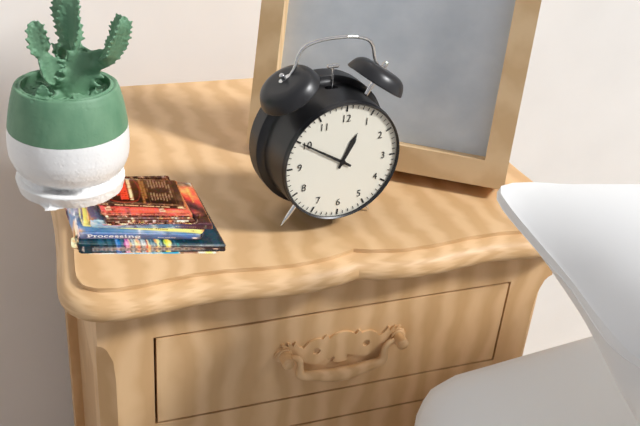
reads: 12,50
